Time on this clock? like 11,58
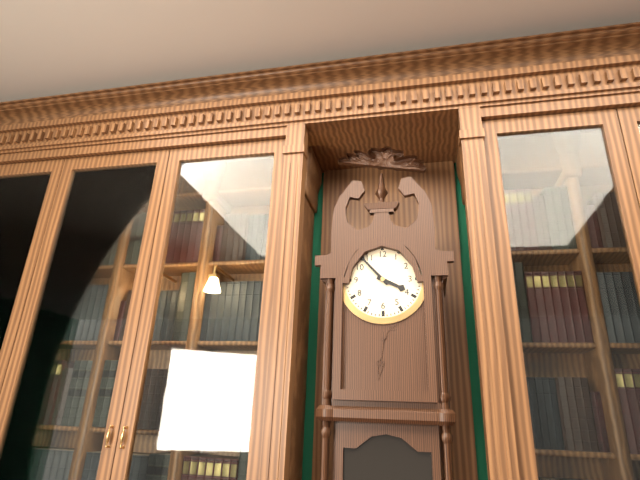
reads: 3,53
